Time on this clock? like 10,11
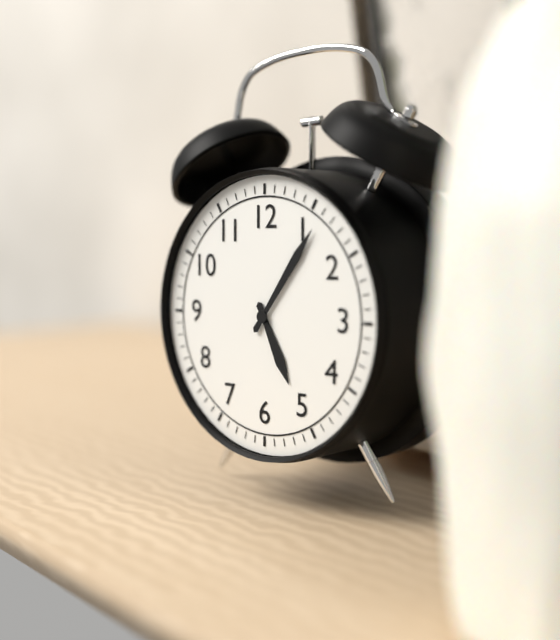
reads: 5,06
